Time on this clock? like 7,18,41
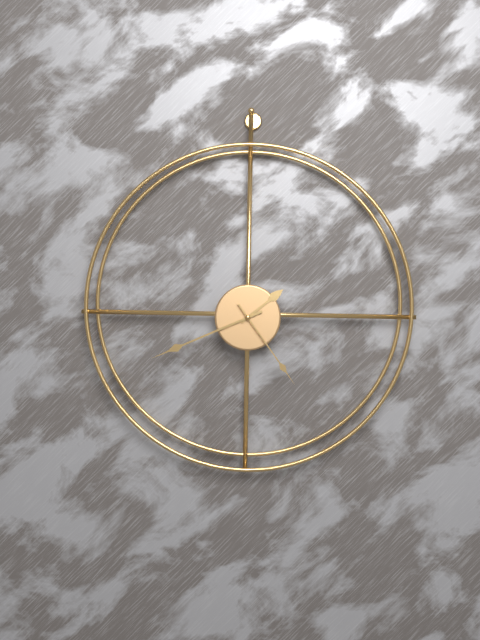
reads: 1,41,24
